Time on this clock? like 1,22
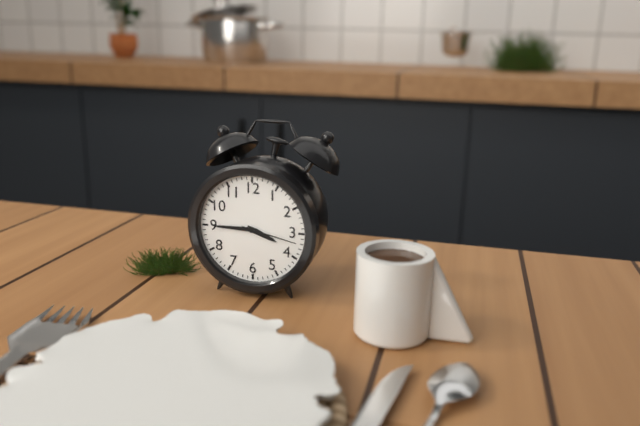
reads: 3,45
